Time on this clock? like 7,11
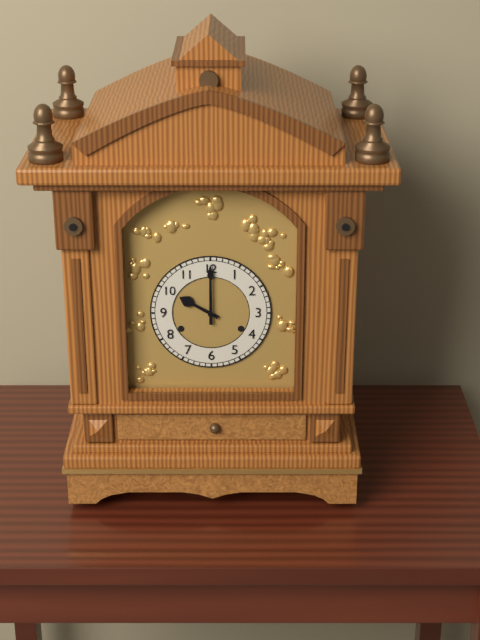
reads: 10,00
